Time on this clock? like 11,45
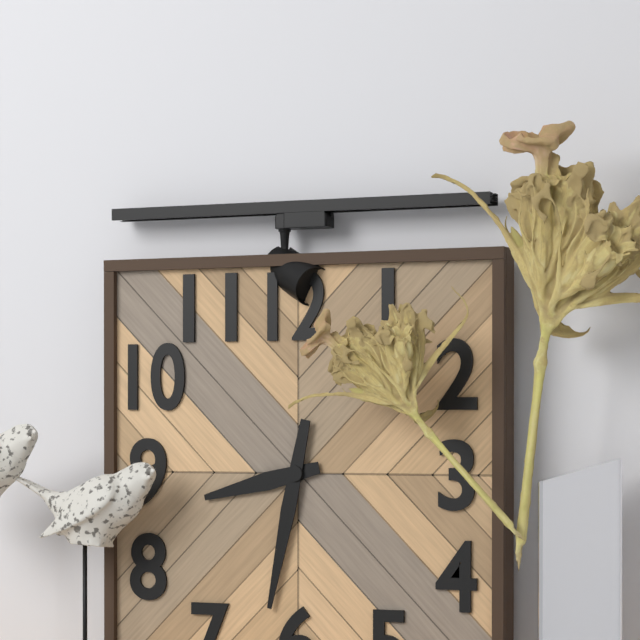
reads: 8,32
